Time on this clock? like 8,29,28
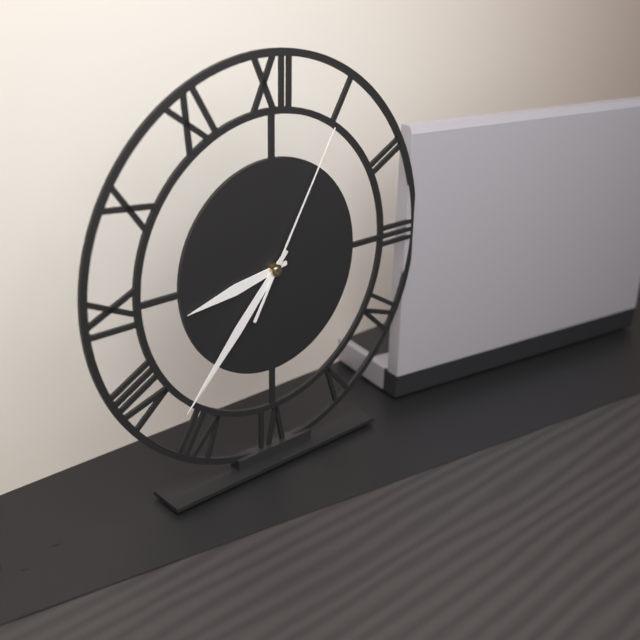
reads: 8,37,05
